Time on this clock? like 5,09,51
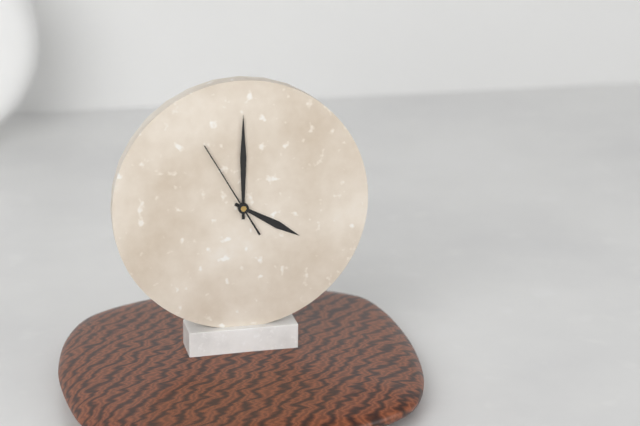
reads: 4,00,55
